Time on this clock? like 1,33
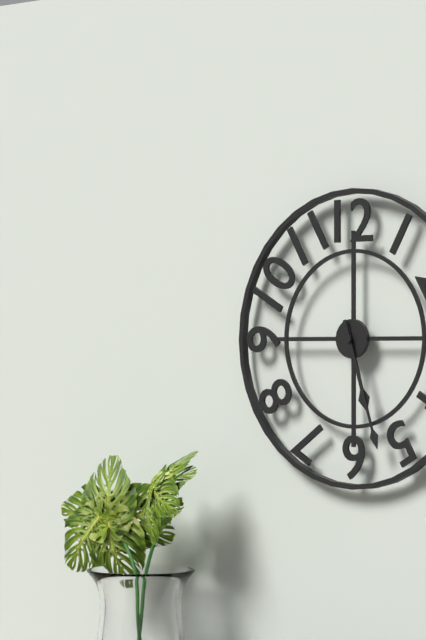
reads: 5,27
